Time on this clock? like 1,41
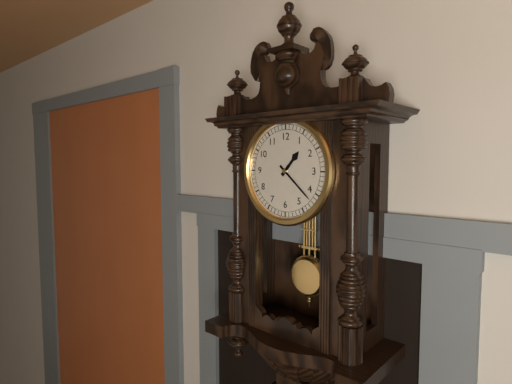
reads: 1,22
